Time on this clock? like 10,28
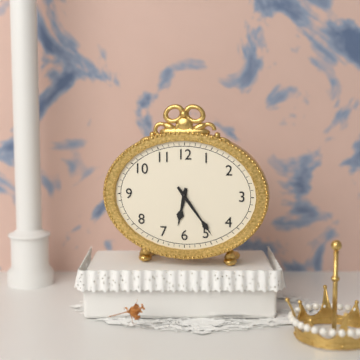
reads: 6,24
